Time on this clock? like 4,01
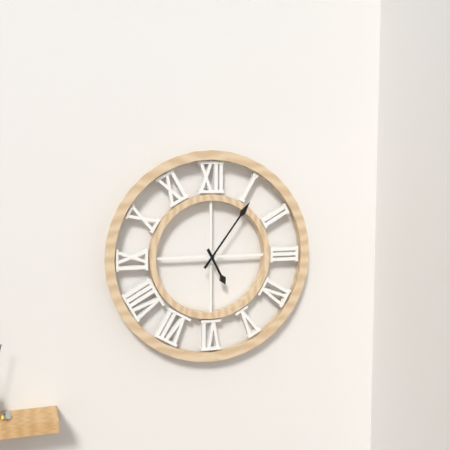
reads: 5,06
